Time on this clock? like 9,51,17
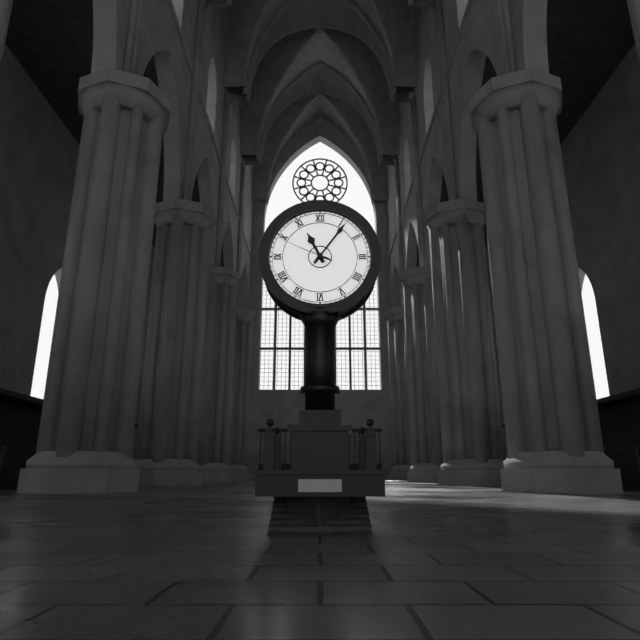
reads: 11,06,49
